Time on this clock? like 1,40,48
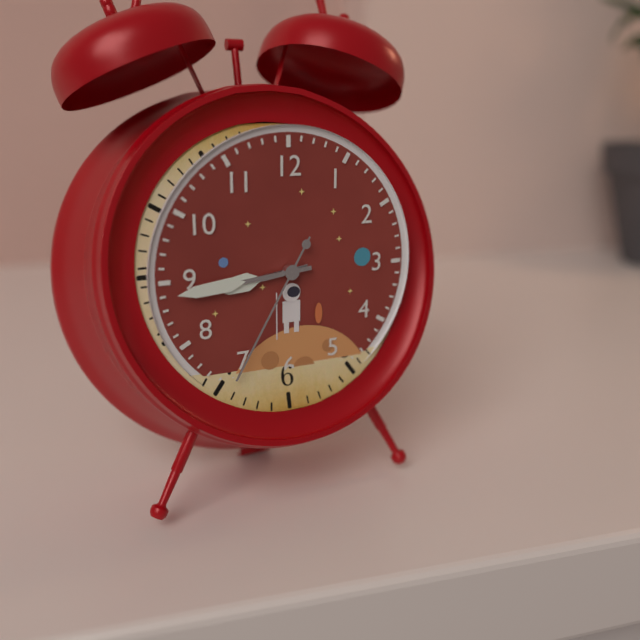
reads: 8,44,35
